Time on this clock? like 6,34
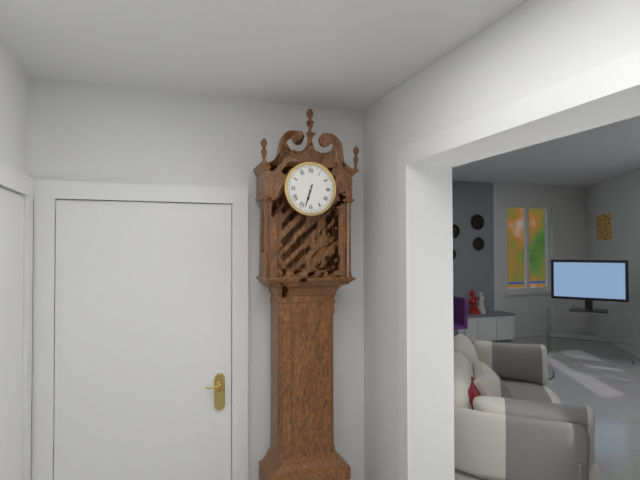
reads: 6,33
